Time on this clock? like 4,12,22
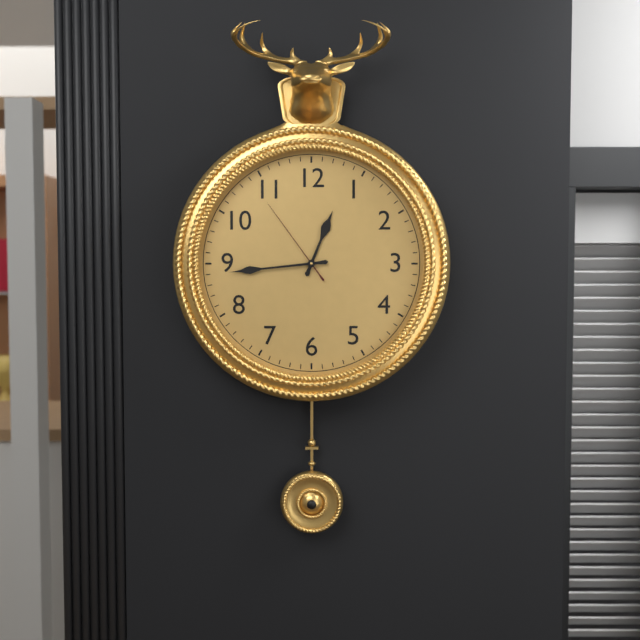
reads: 12,44,54
